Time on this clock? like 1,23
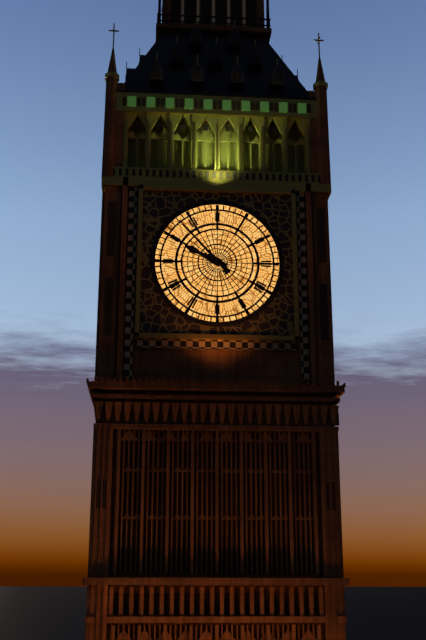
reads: 9,53
